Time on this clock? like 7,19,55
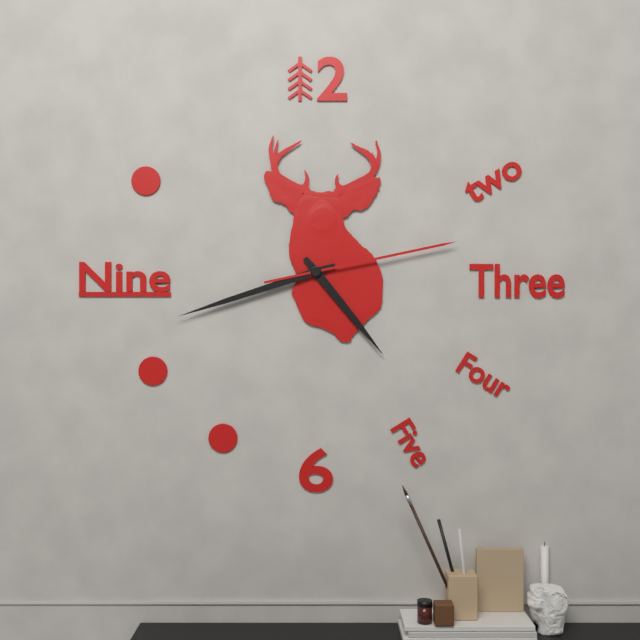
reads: 4,42,13
